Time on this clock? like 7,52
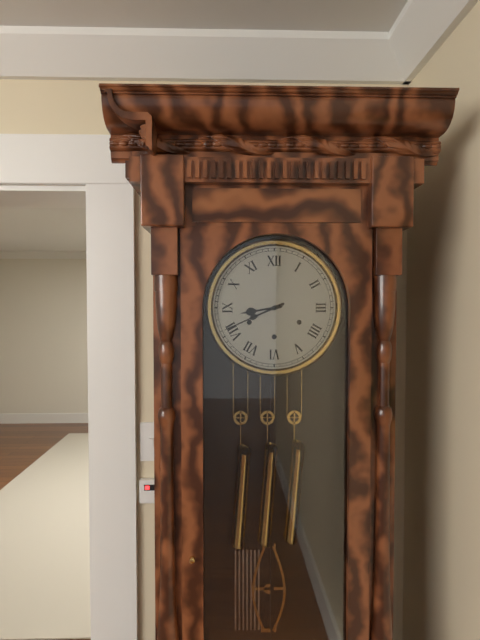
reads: 8,41
